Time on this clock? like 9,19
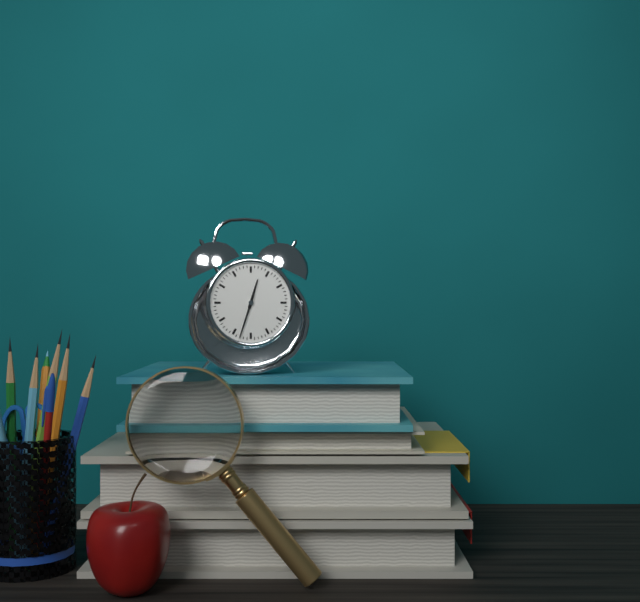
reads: 12,33
